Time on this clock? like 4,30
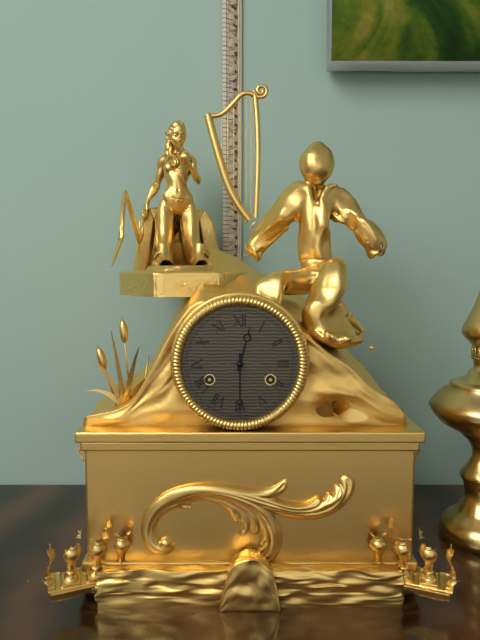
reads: 12,30
